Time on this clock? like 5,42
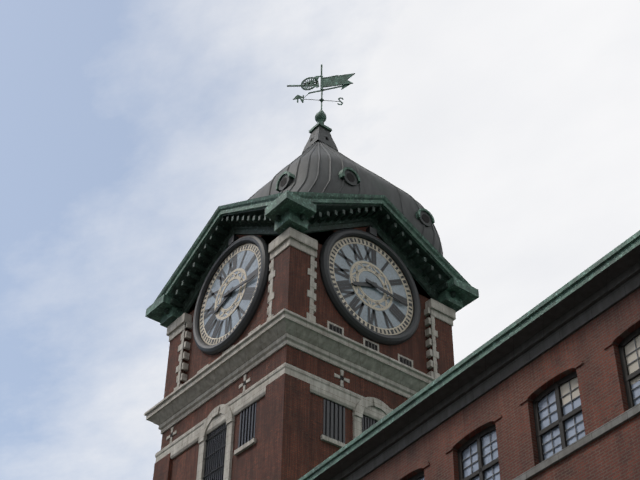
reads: 8,16
